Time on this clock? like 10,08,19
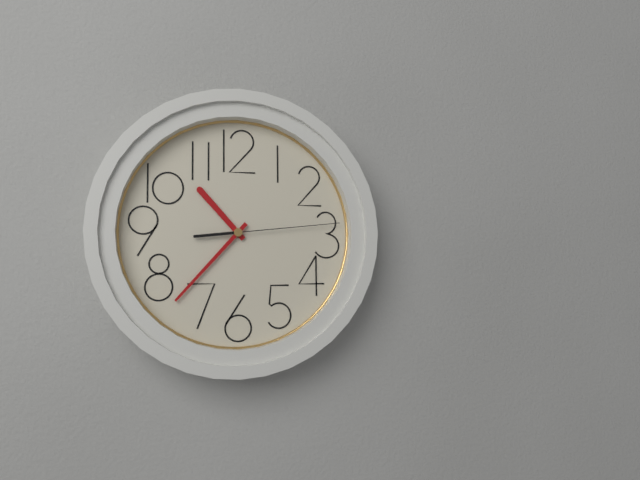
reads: 10,37,14
